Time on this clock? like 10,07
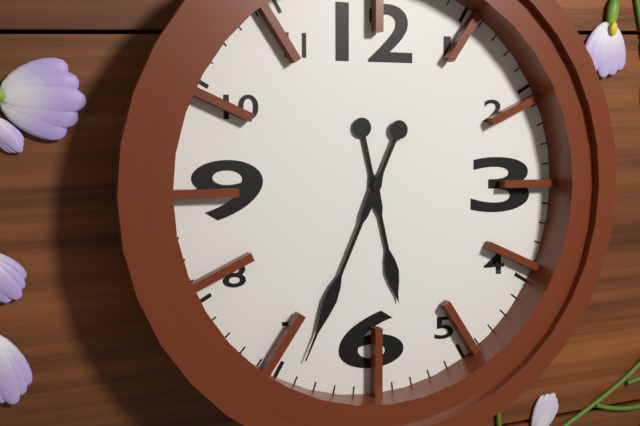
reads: 5,34
